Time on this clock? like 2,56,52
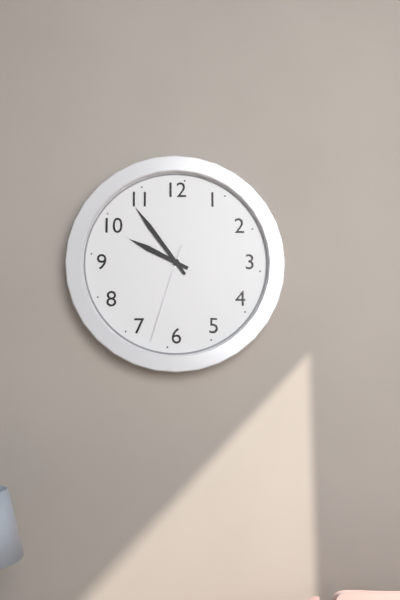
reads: 9,54,33
